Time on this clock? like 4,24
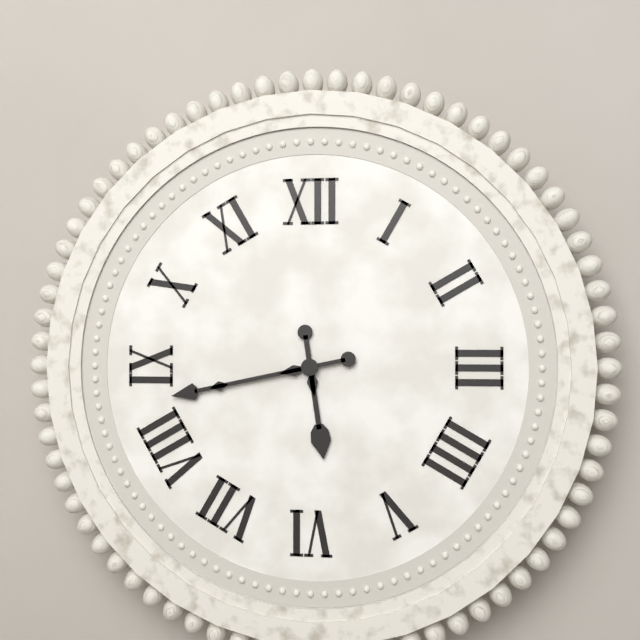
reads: 5,43
